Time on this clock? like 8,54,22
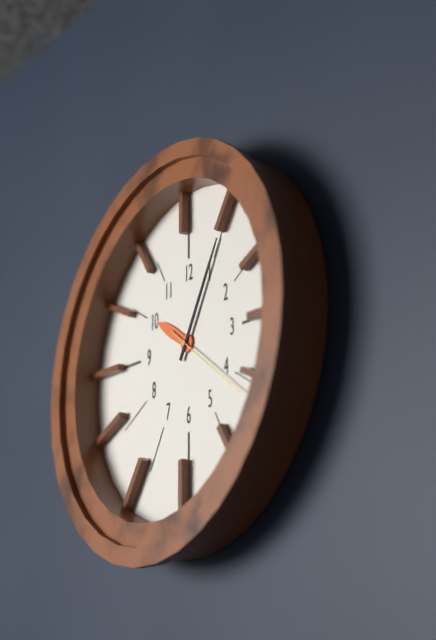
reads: 10,05,21
